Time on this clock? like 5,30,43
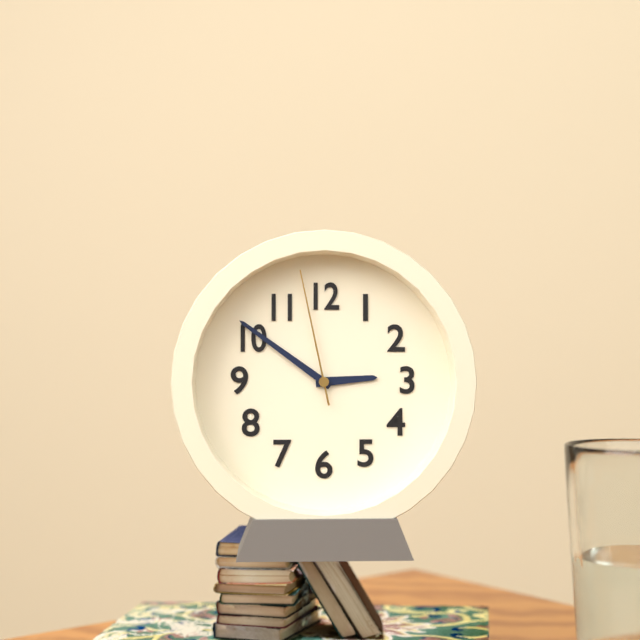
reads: 2,51,58
